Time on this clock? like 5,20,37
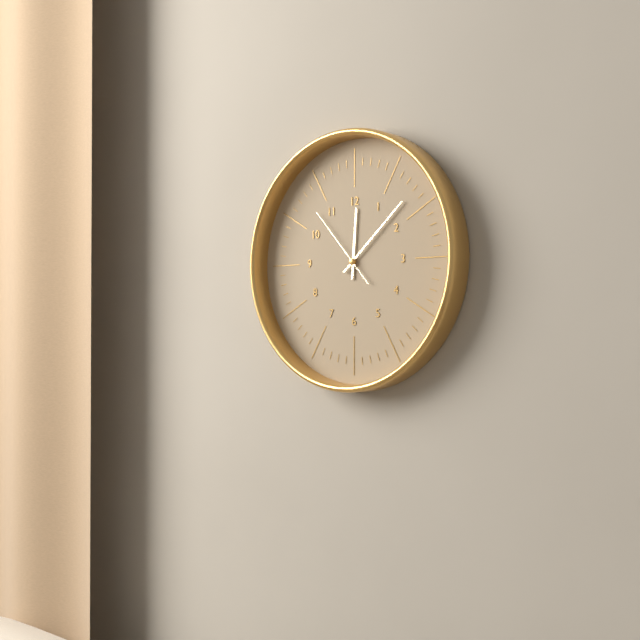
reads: 12,08,53
